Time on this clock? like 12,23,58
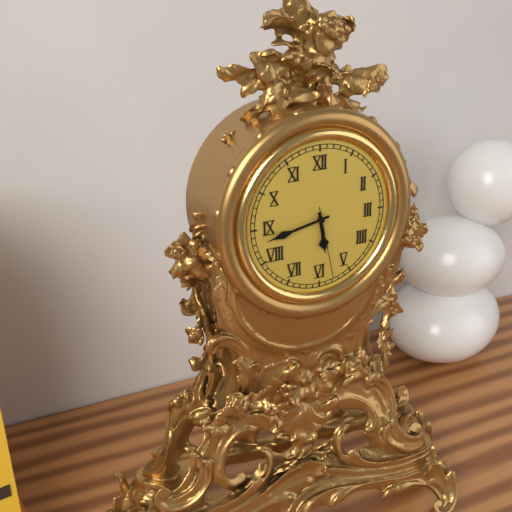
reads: 5,43,28
